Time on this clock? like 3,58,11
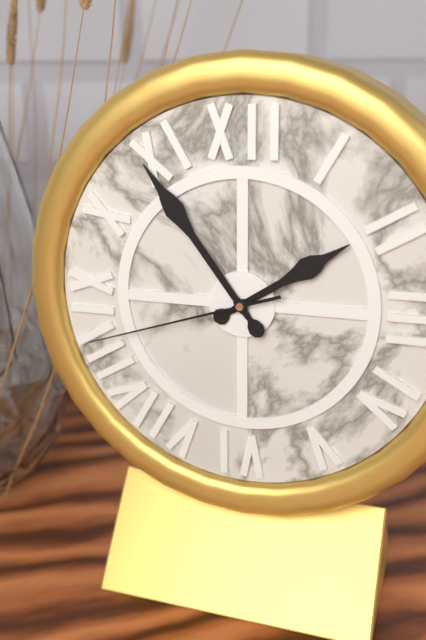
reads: 1,54,42
